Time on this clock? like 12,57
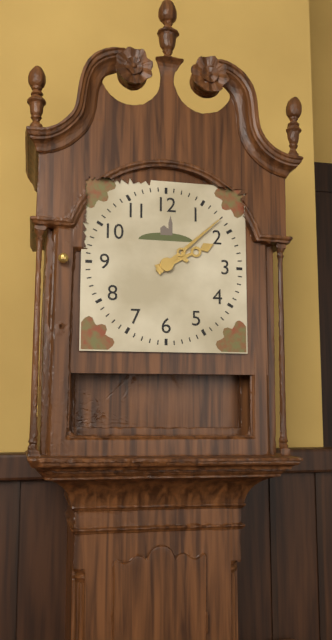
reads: 2,08
